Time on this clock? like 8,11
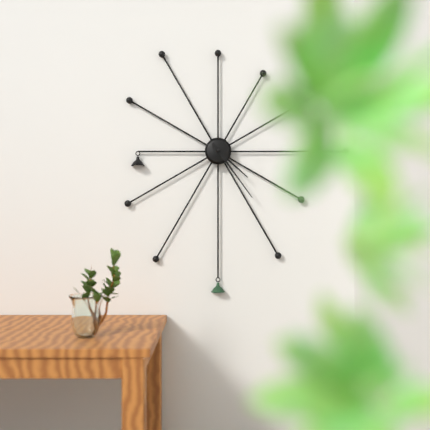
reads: 4,24
